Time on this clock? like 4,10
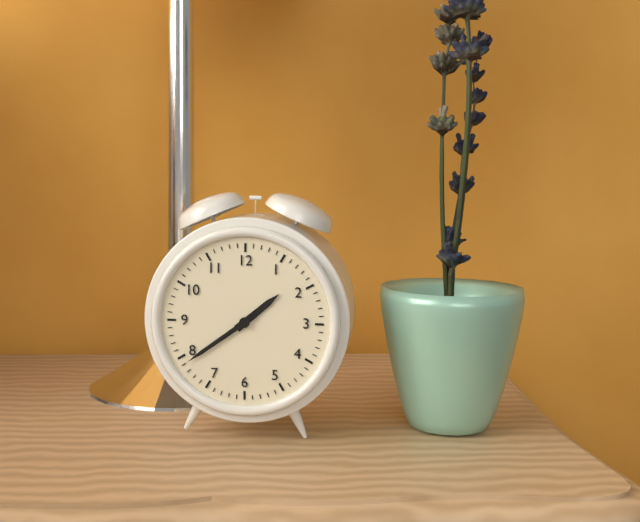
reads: 1,39
